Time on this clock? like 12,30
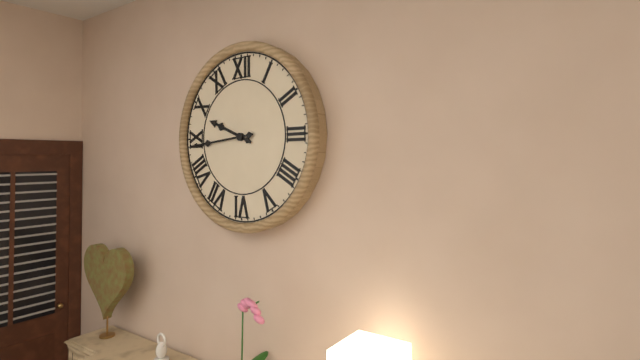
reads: 9,44
